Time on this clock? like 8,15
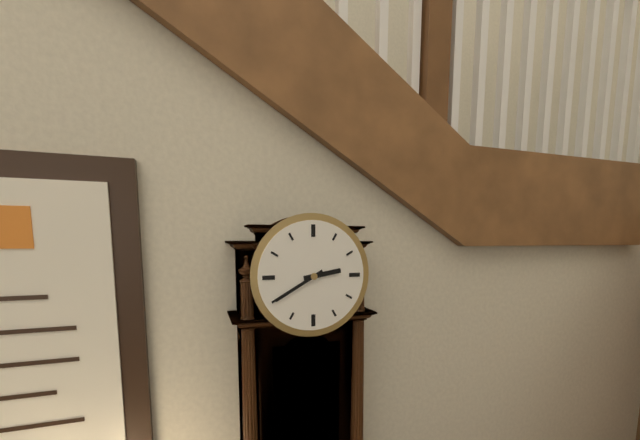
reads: 2,40
